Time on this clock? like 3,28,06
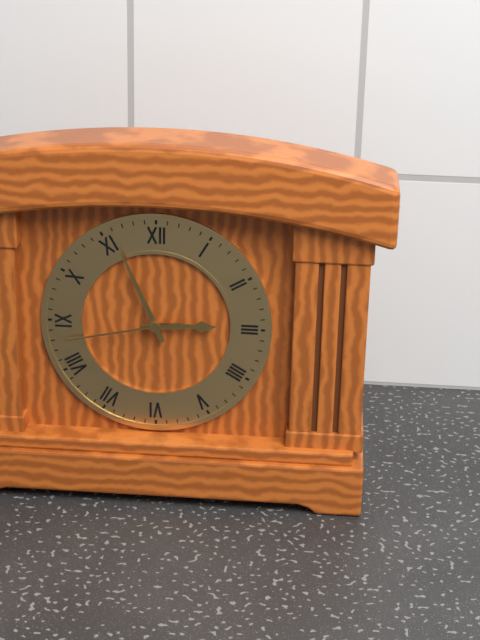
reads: 2,56,43
